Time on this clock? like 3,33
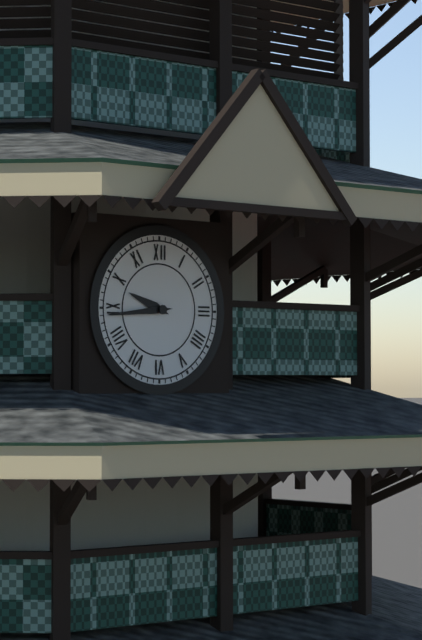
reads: 9,44
